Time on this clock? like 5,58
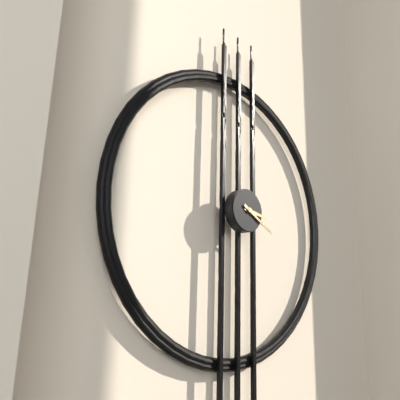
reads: 3,20
